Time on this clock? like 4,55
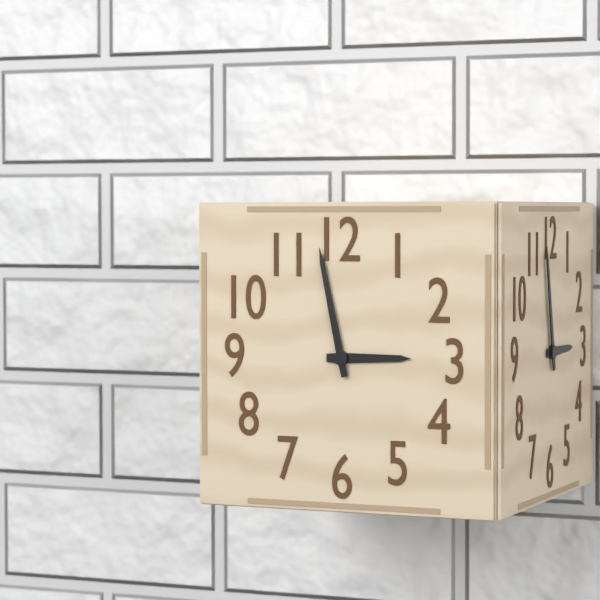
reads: 2,58
